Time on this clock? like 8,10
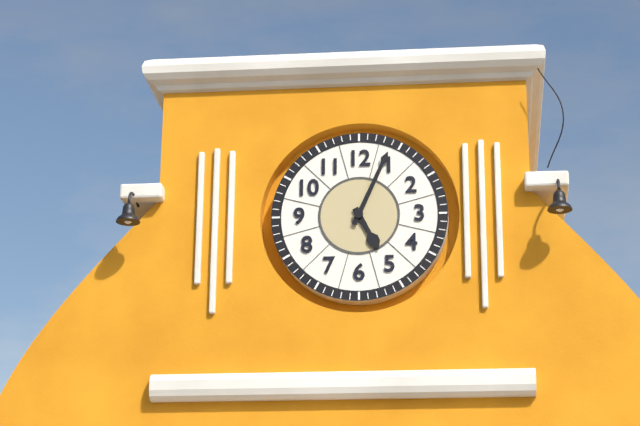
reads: 5,04
